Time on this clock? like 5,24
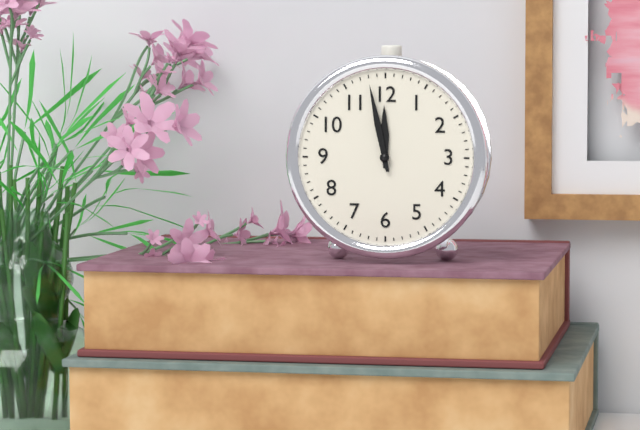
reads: 11,58
